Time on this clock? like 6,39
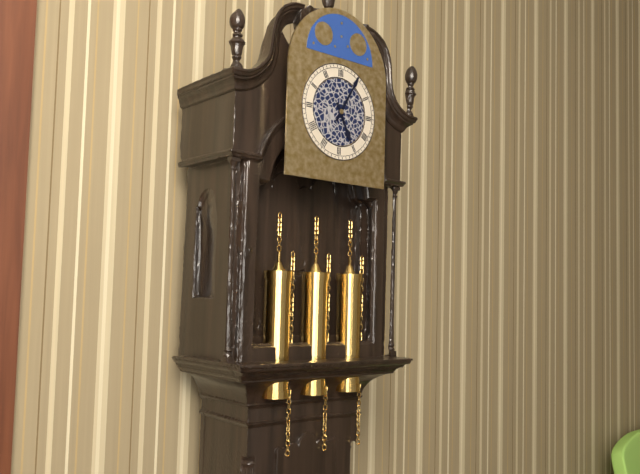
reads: 5,05
